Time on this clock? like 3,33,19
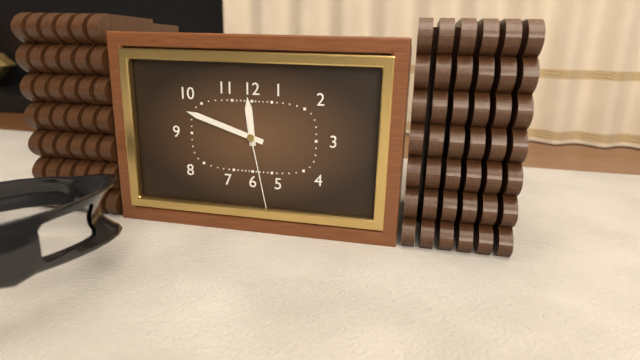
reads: 11,48,28
